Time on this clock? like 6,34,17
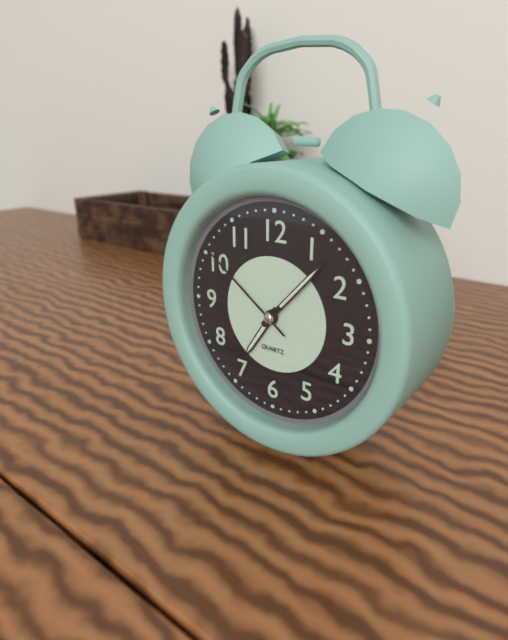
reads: 7,07,51
